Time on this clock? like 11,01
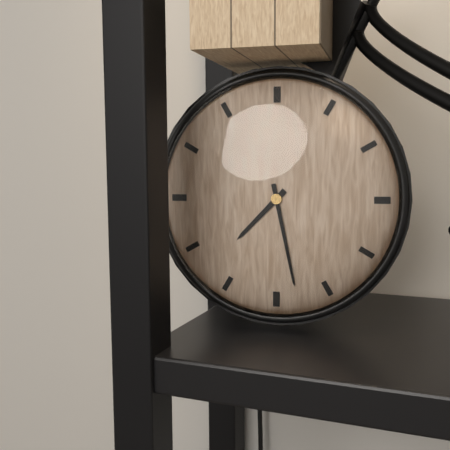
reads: 7,28
